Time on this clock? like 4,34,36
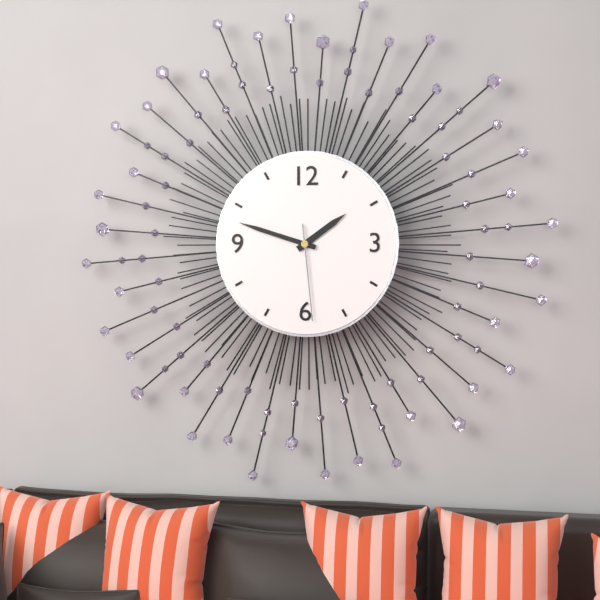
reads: 1,48,29
